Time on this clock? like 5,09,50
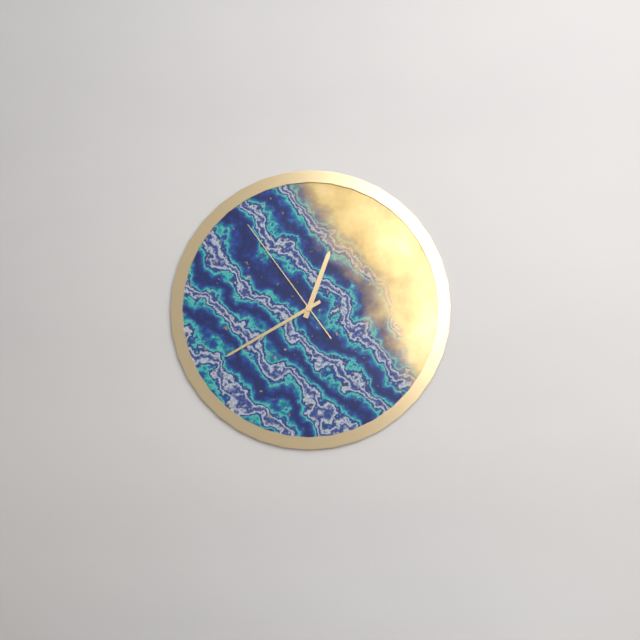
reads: 12,40,54
